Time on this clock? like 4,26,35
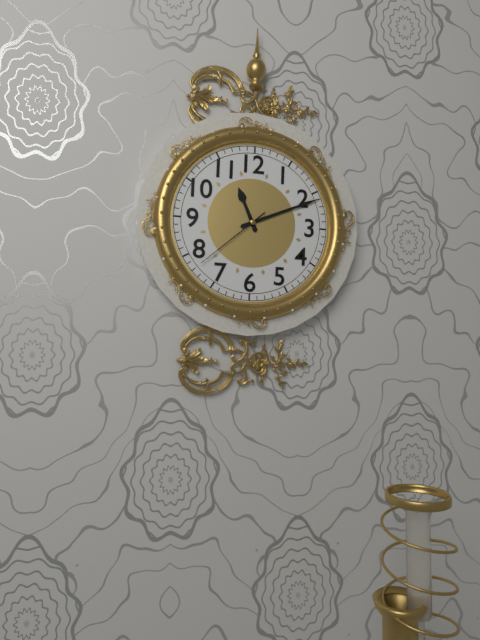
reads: 11,11,38
